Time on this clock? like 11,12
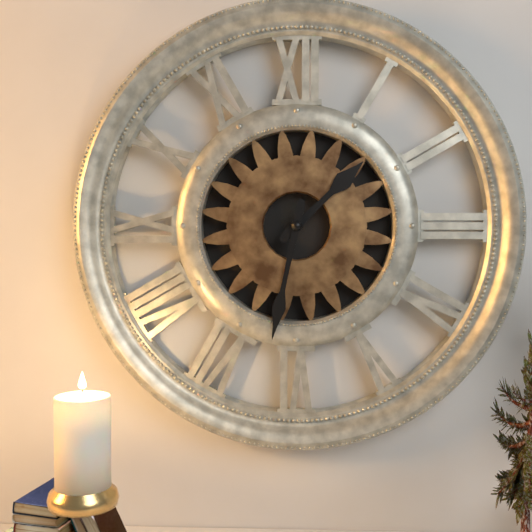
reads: 1,32
